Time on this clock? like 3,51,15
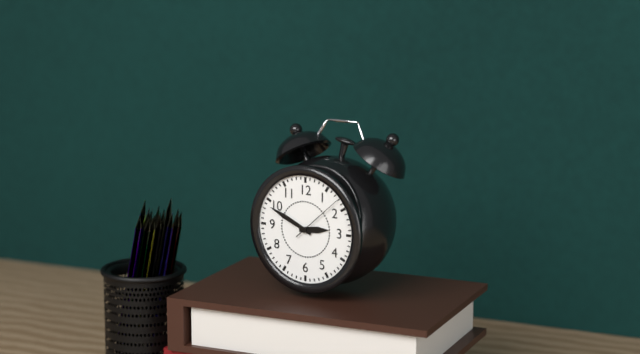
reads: 2,49,08
